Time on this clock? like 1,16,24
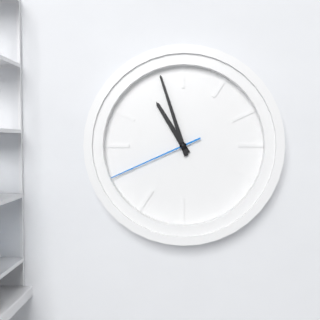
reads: 10,57,41
